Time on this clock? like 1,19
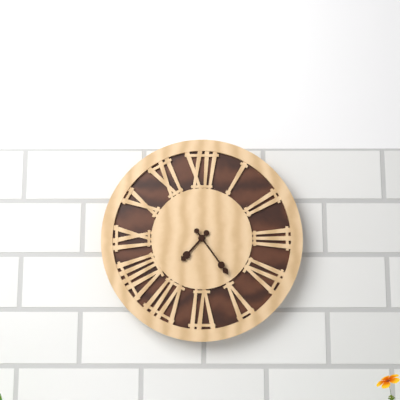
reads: 7,24
